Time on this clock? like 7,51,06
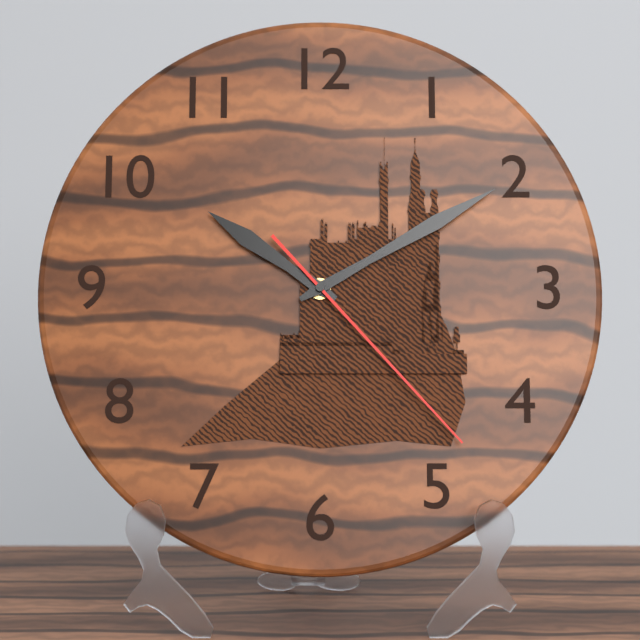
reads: 10,10,23
